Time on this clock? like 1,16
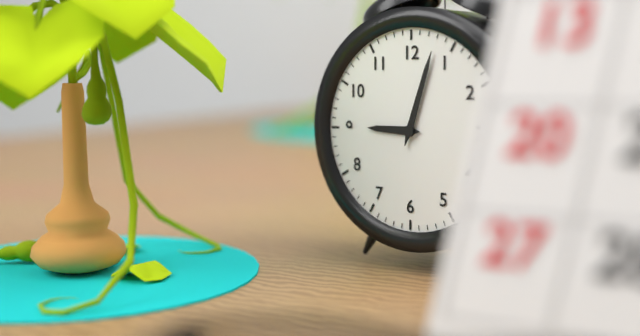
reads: 9,03
